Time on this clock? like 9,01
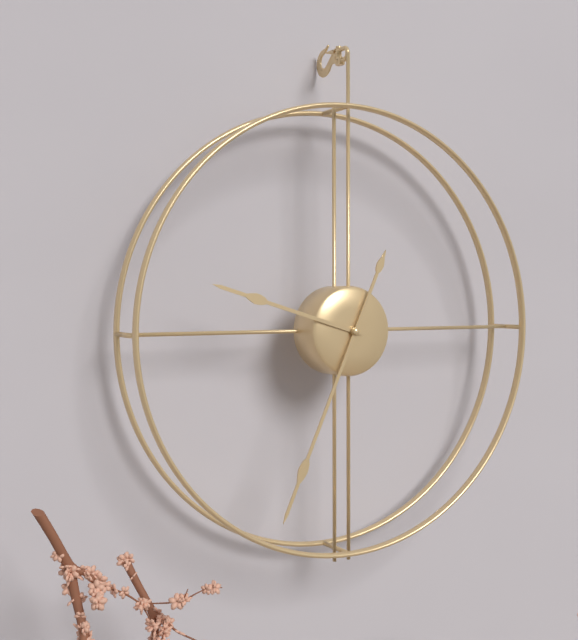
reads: 9,34
